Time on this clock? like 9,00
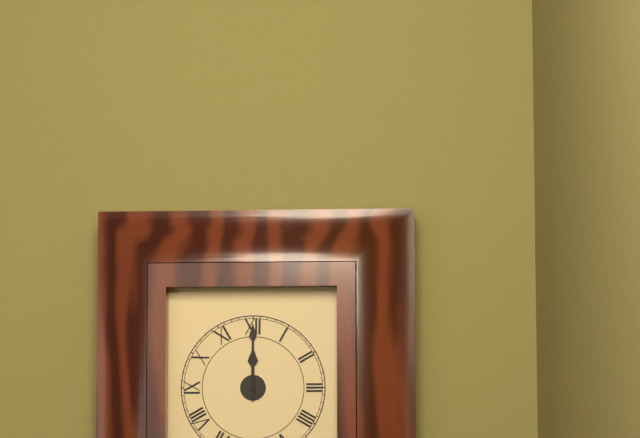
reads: 12,00
